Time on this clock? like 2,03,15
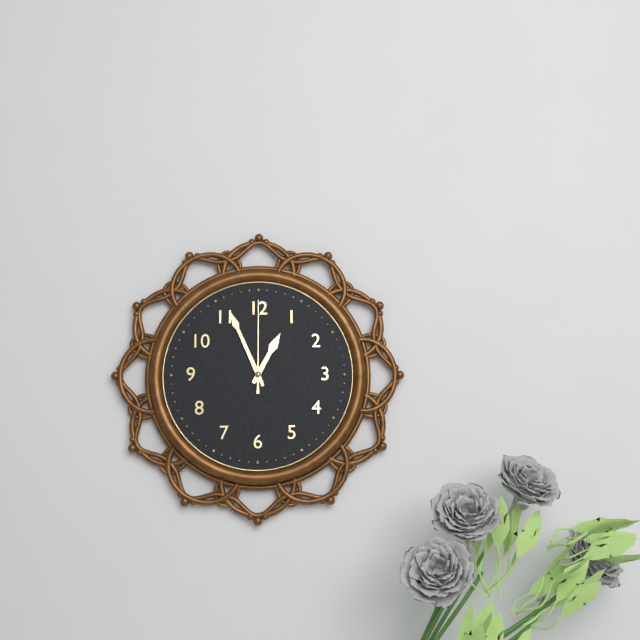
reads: 12,56,00
